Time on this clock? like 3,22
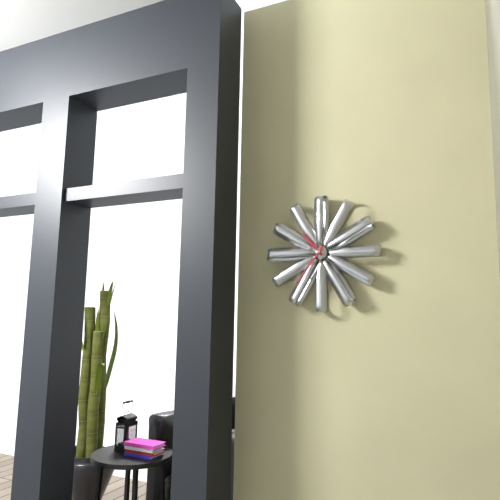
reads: 10,36
